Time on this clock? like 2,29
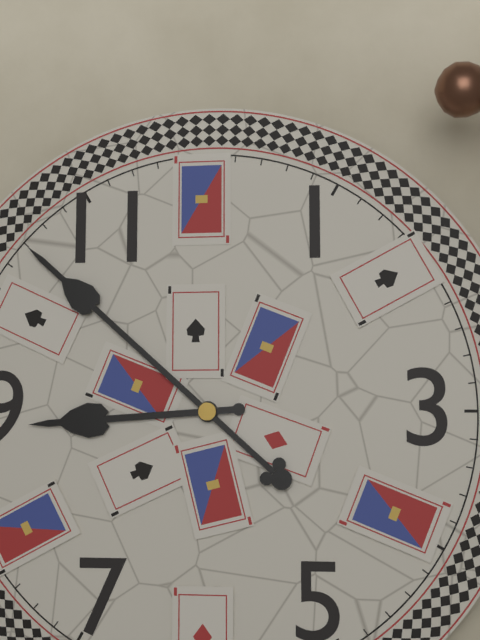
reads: 8,52
